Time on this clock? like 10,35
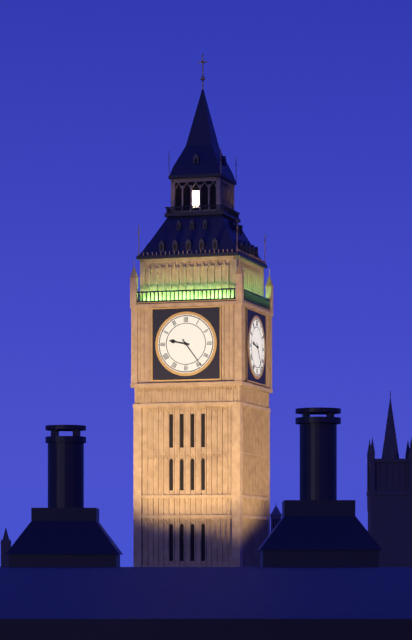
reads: 9,24
